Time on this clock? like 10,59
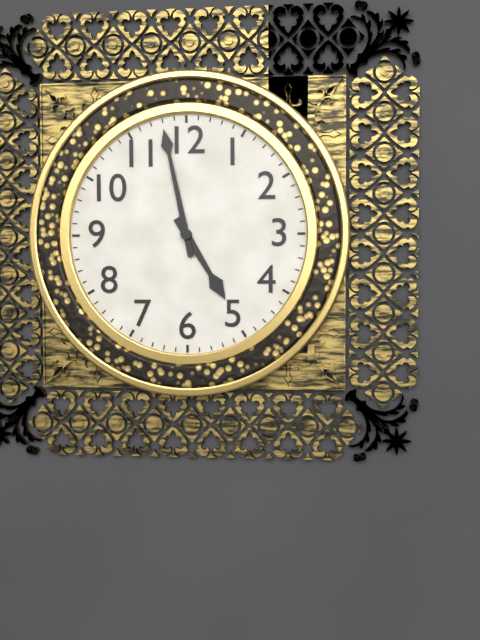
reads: 4,58
